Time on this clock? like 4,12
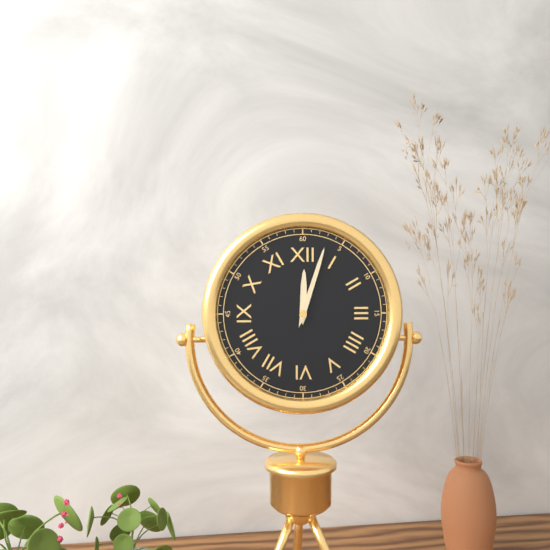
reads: 12,03
